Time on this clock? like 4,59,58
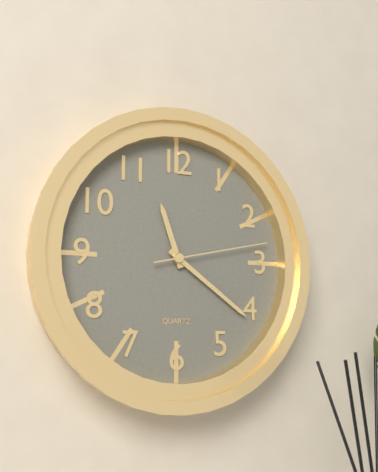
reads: 11,21,13
